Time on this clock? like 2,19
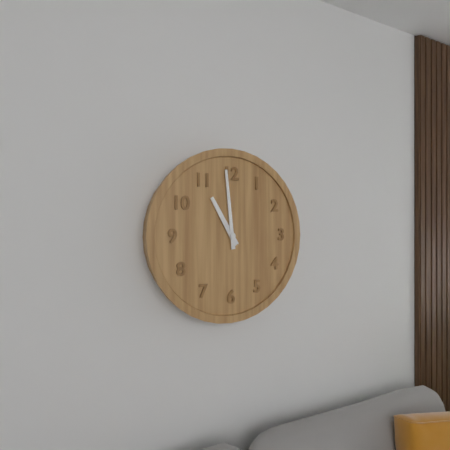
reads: 10,59
